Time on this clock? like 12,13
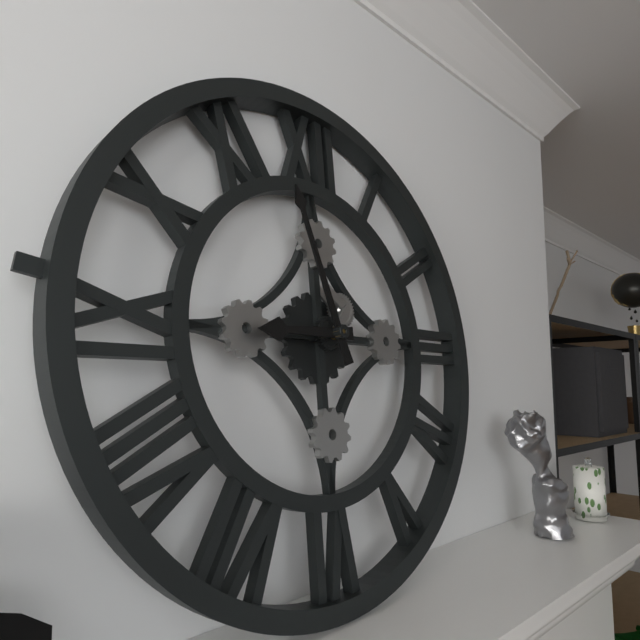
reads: 8,57
